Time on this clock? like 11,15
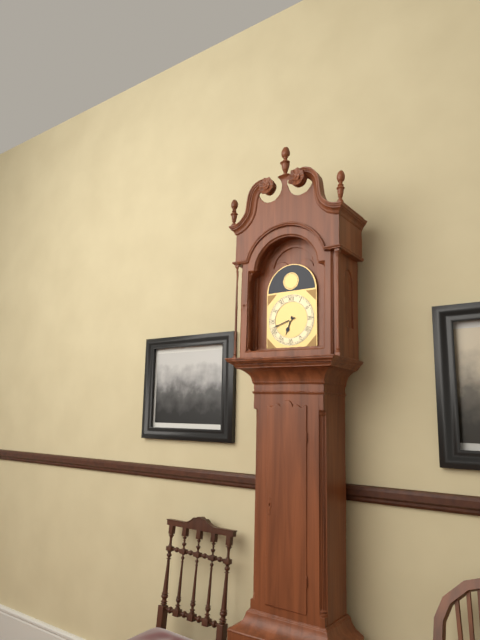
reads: 6,42
